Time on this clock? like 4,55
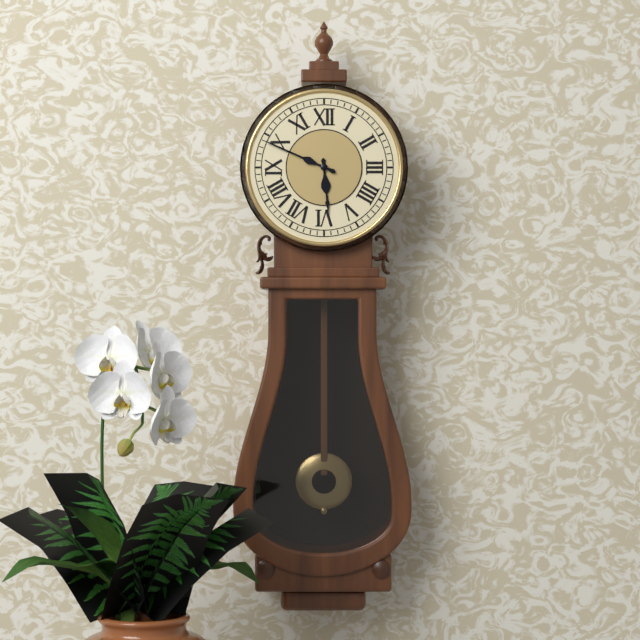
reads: 5,49
